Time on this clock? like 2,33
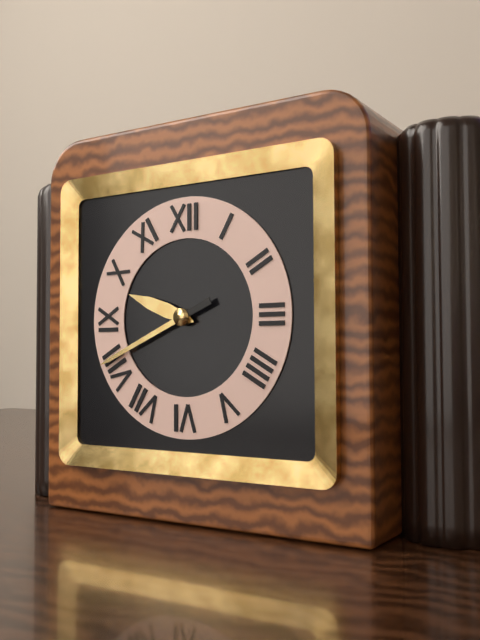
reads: 9,41
